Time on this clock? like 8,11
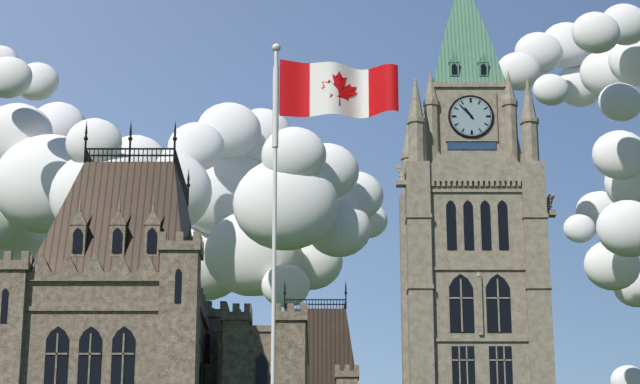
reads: 10,53
